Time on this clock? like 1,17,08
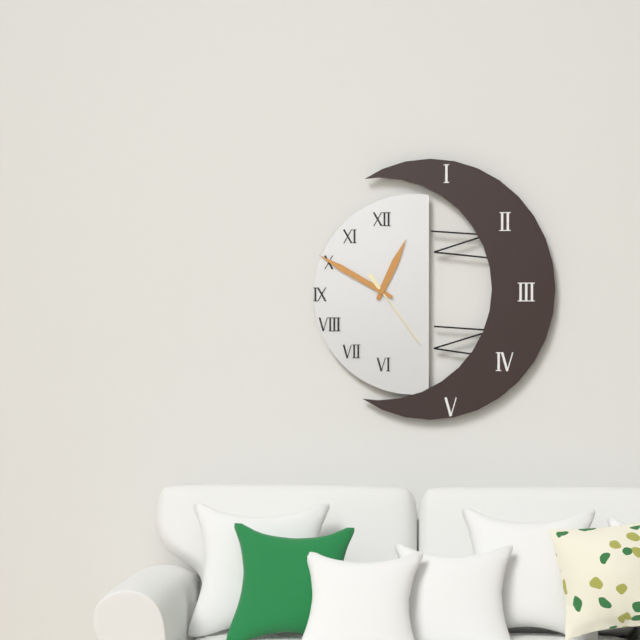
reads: 12,50,24
